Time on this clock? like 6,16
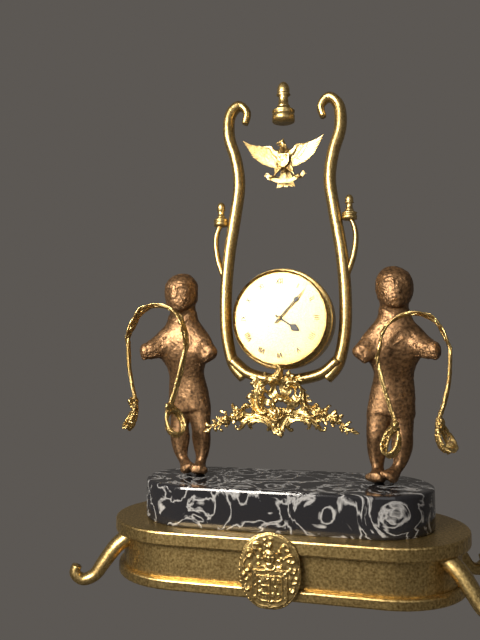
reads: 4,07
